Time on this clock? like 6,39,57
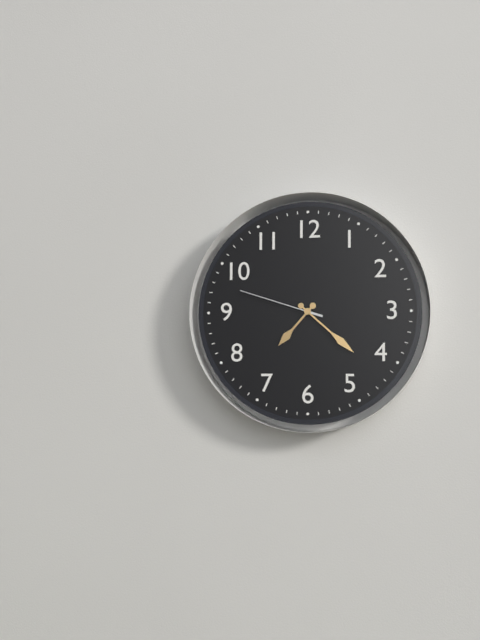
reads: 7,22,48
